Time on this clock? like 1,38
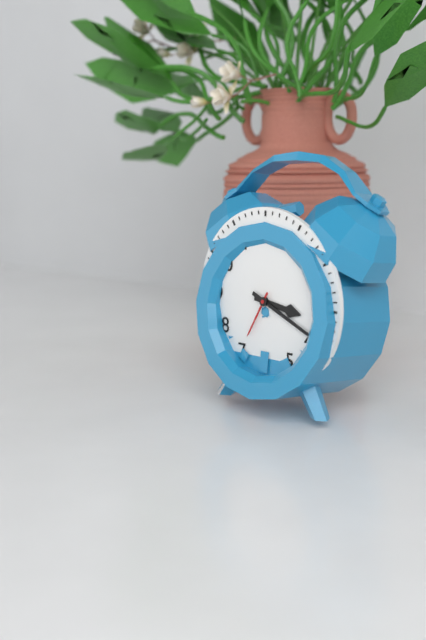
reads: 3,19
